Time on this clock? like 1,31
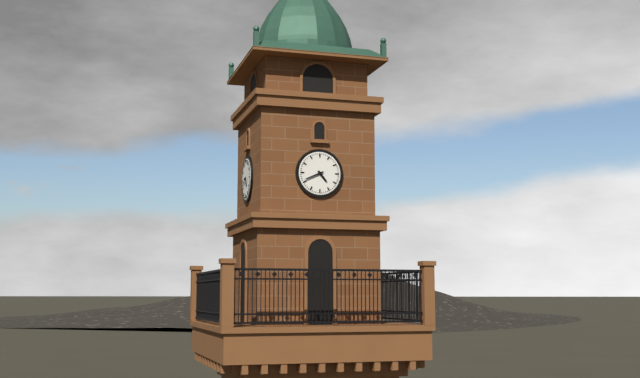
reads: 4,41
